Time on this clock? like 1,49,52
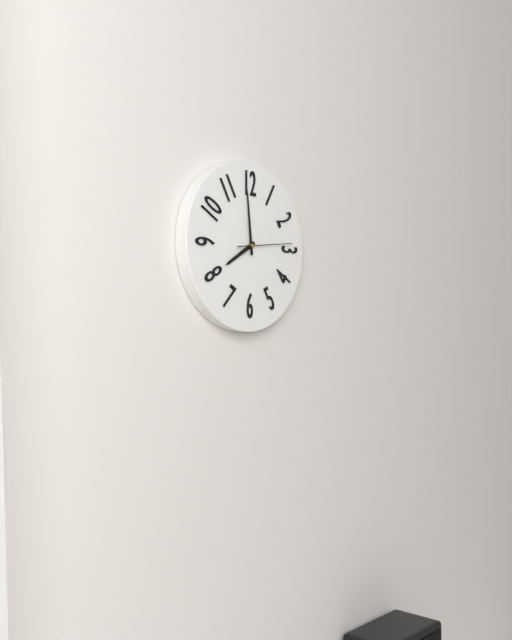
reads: 7,59,14
